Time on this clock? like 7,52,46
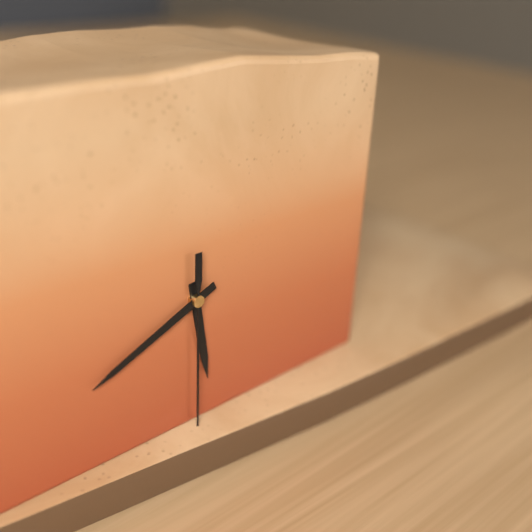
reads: 5,41,30
